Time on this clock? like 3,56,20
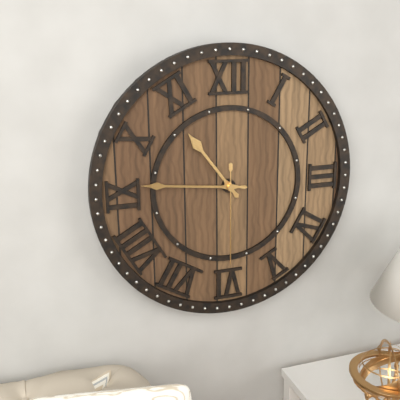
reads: 10,46,30
